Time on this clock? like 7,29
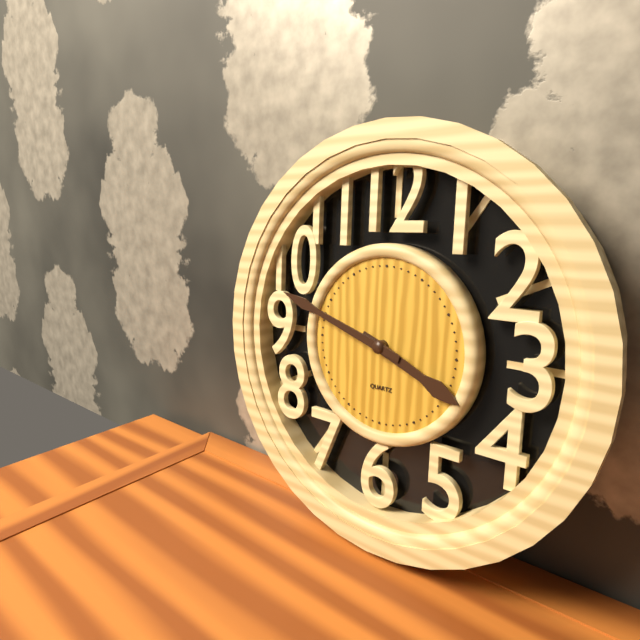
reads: 3,48
